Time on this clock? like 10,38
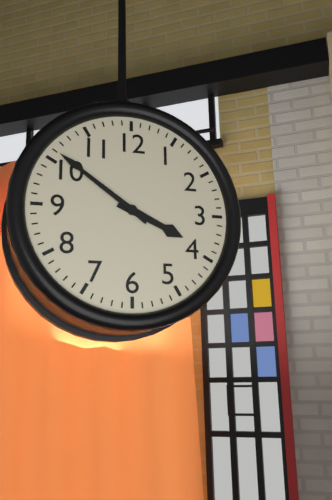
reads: 3,51
